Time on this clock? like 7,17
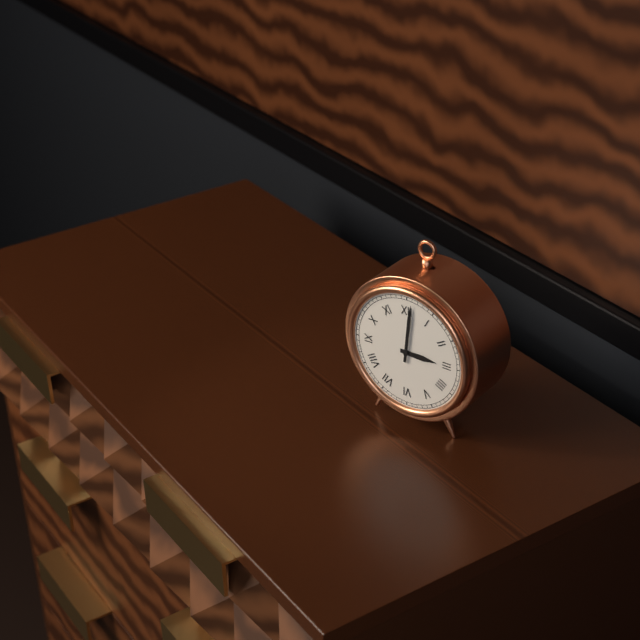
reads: 3,01
